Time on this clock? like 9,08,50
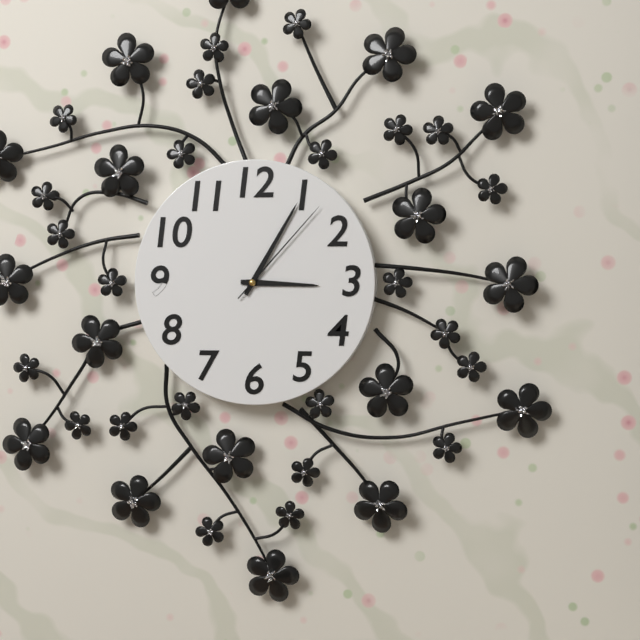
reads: 3,05,07
